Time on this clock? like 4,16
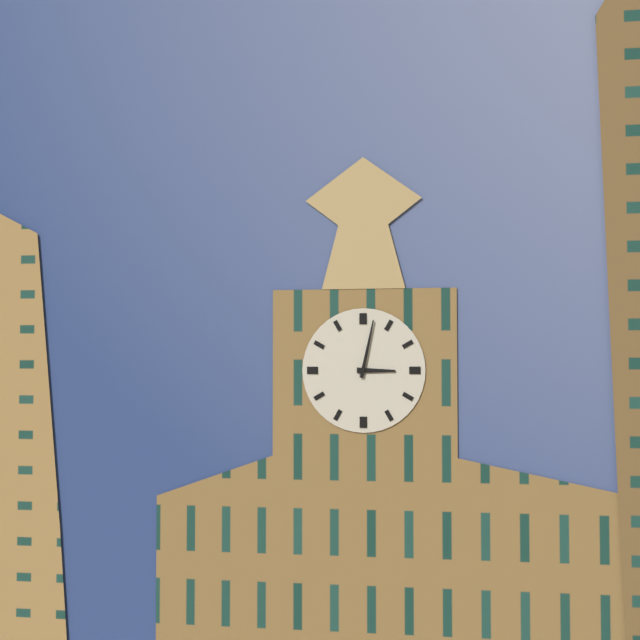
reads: 3,02
